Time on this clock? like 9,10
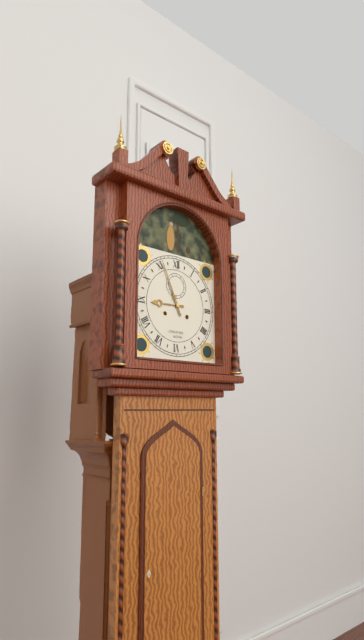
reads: 8,56
